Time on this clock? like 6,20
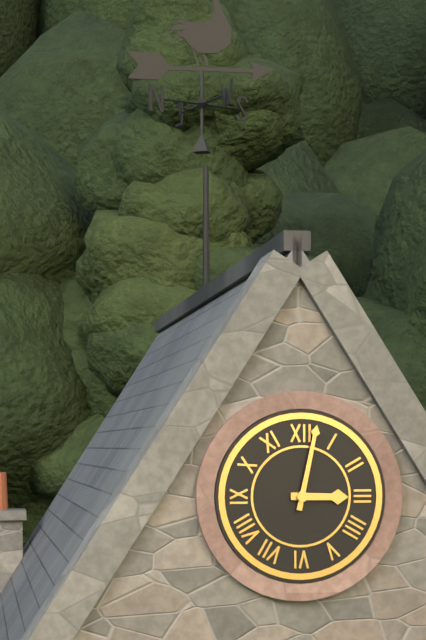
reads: 3,02
